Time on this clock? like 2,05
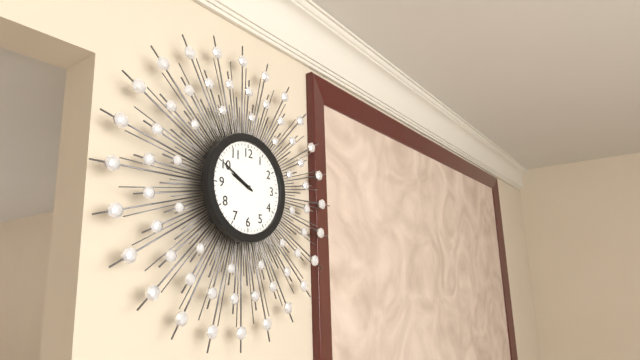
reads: 9,50
